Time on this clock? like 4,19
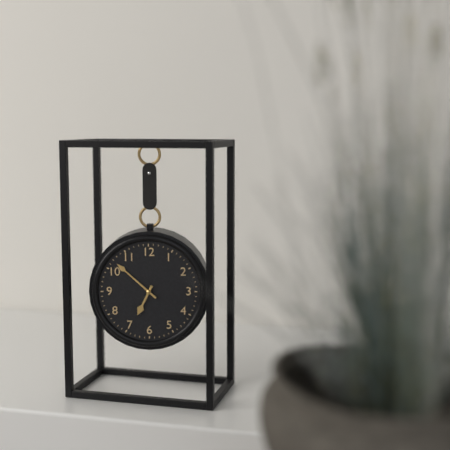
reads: 6,52
